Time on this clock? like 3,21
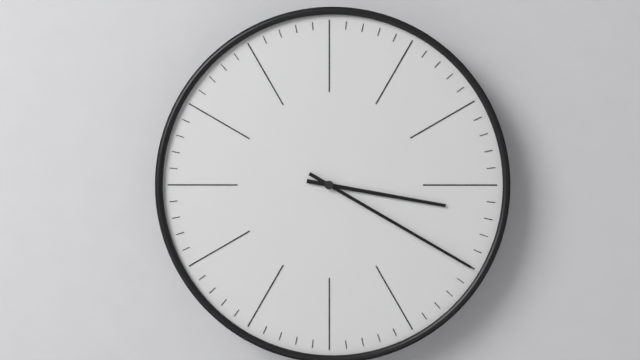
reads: 3,20
